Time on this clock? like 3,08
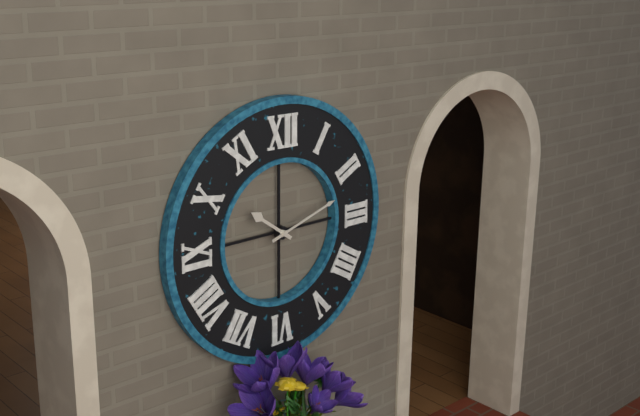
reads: 10,12
